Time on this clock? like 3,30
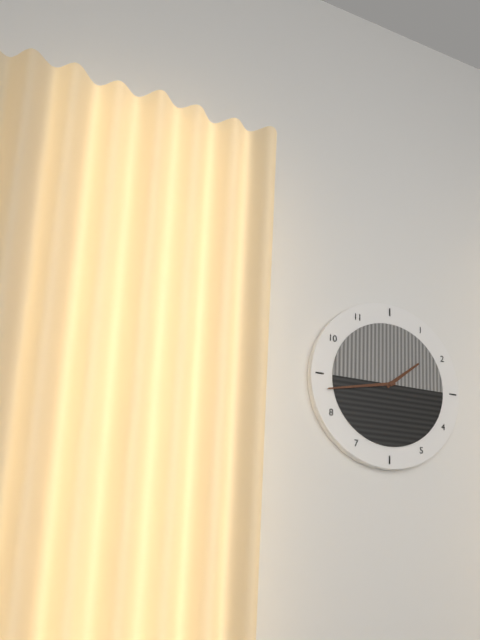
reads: 1,43
